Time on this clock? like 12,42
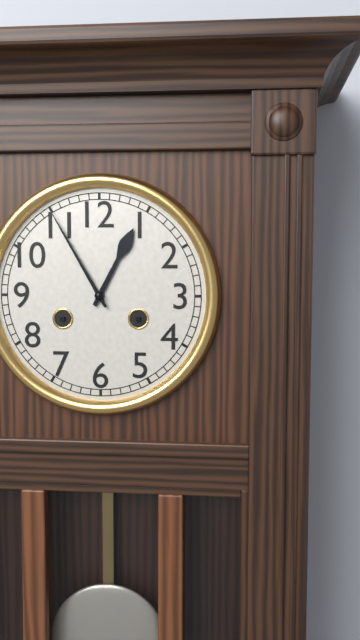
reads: 12,55
